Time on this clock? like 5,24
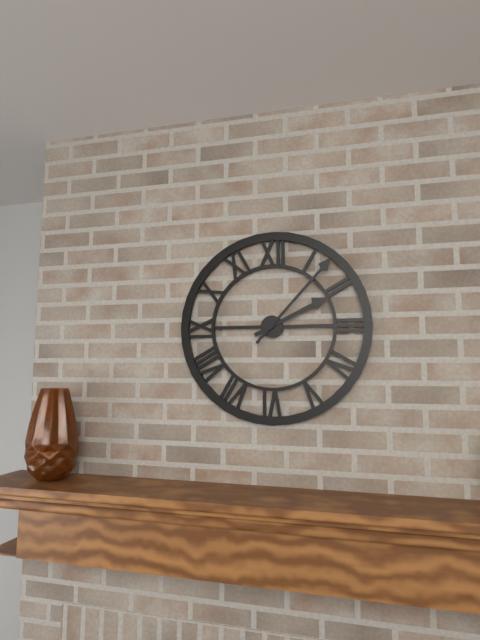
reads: 2,07
